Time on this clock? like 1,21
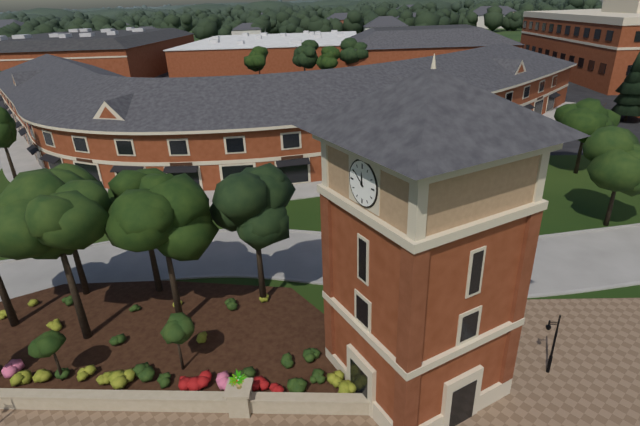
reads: 11,51
